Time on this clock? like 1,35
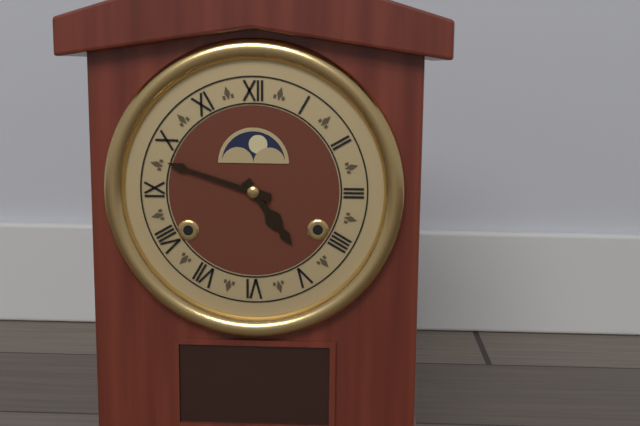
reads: 4,48
